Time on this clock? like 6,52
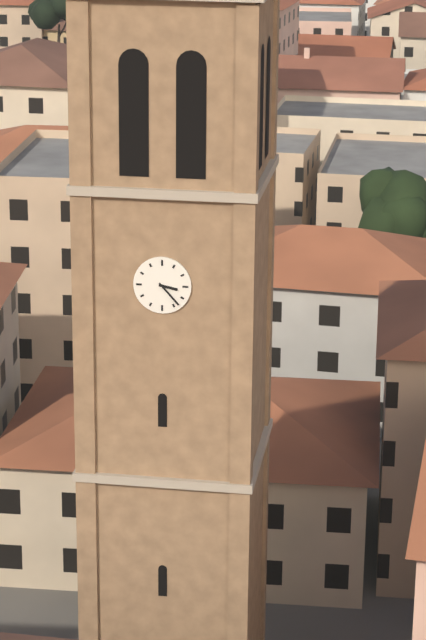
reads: 3,23
